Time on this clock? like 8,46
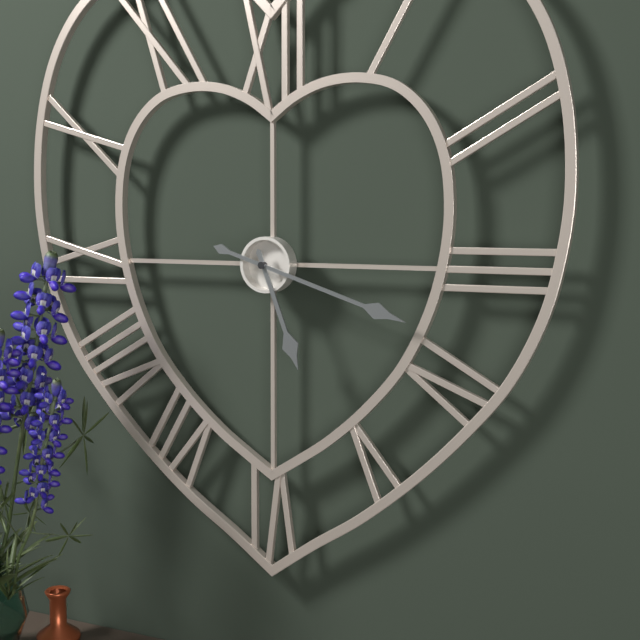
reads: 5,18
